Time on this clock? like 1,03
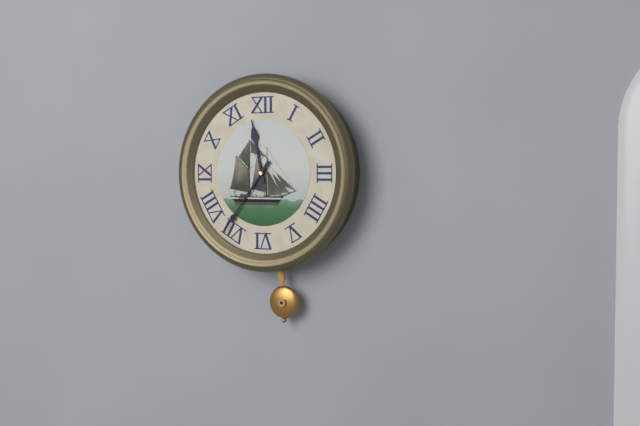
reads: 11,36
